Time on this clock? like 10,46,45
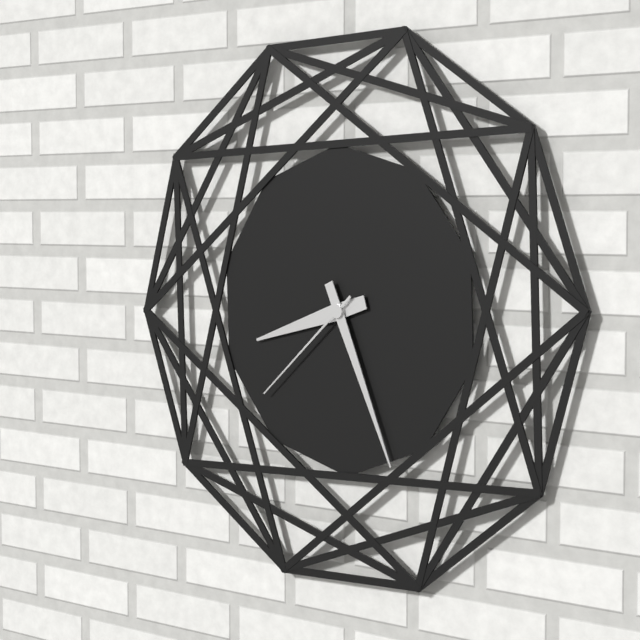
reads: 8,26,38
